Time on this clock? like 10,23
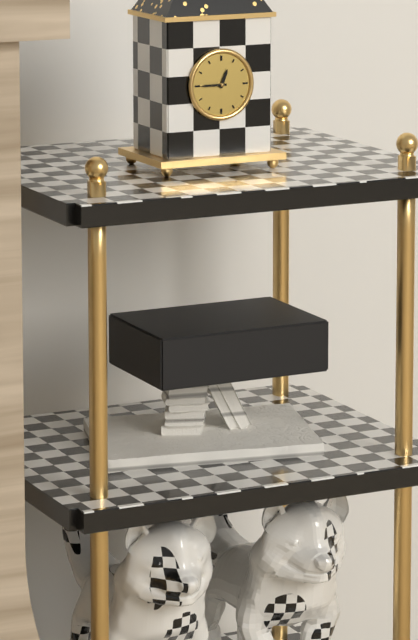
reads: 12,45
